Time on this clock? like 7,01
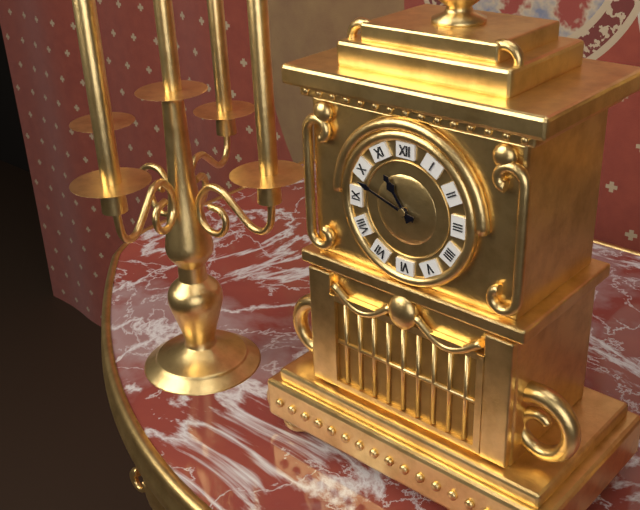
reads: 10,48
